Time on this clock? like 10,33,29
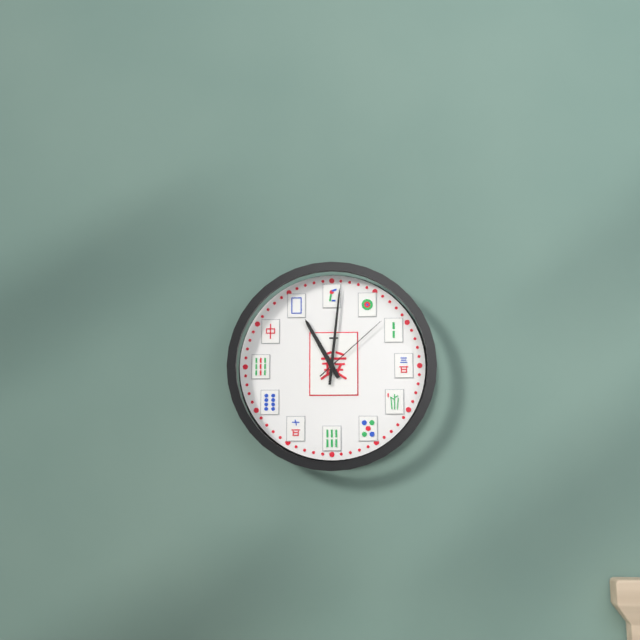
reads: 11,01,08
